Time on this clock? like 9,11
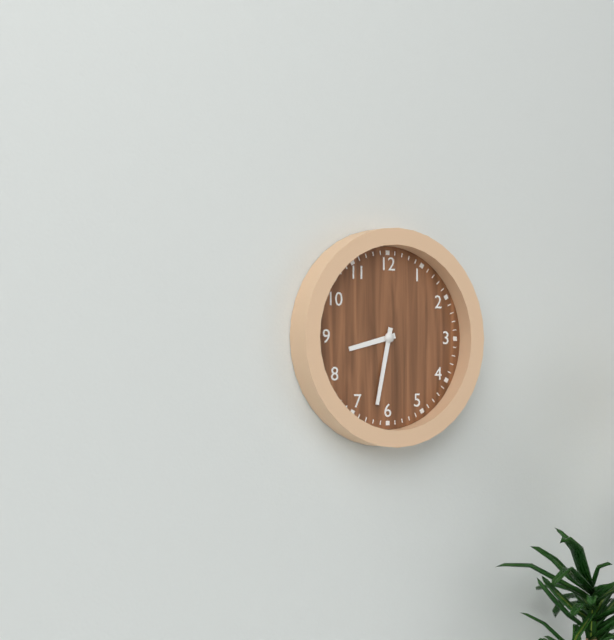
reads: 8,32
